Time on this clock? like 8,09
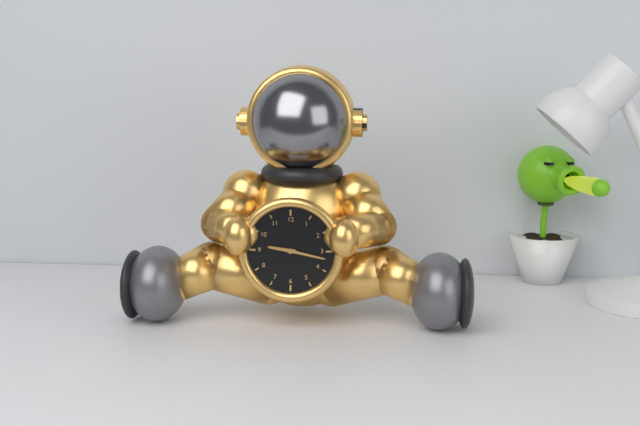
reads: 9,17
